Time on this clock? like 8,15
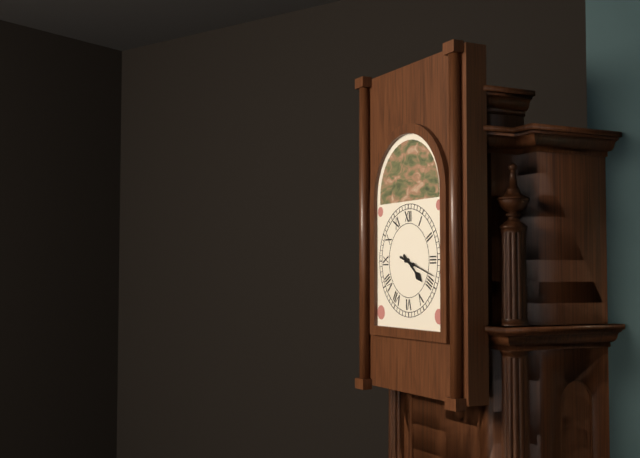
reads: 4,18
